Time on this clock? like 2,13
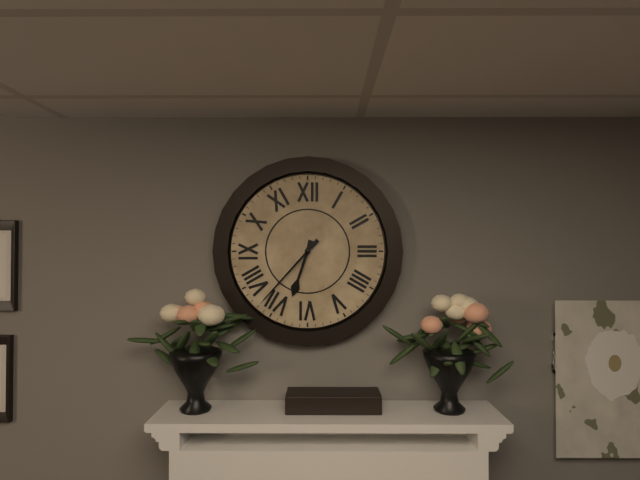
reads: 6,37
